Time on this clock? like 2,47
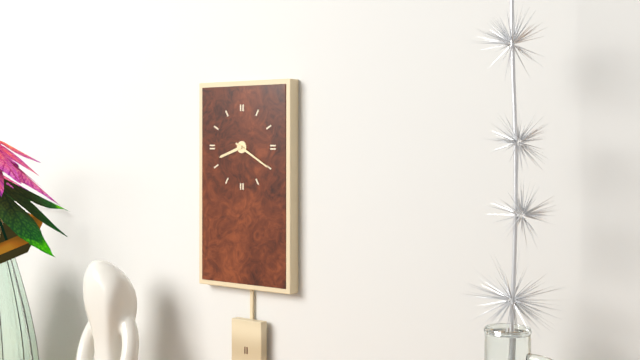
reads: 8,20
